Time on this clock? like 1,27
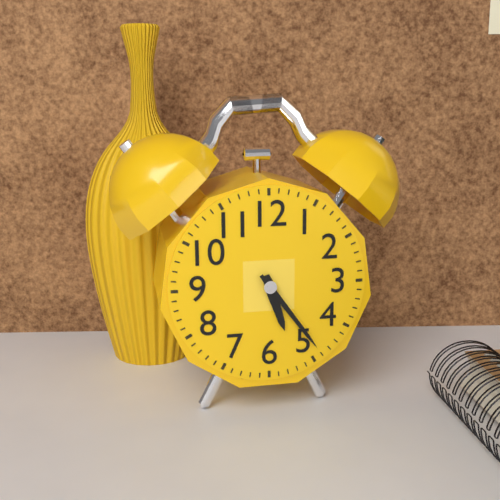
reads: 5,24
